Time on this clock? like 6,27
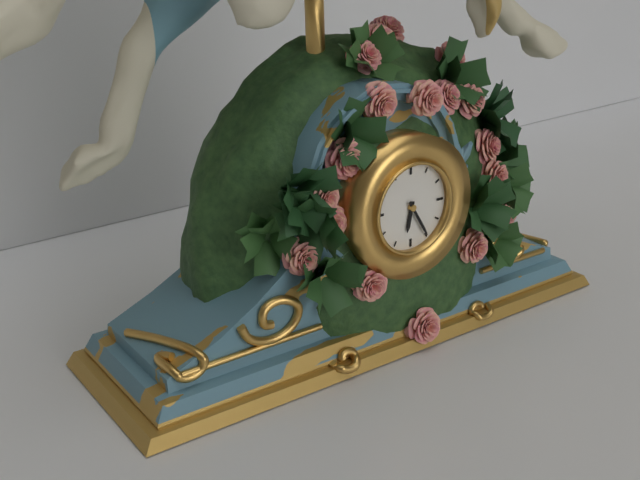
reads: 6,25
